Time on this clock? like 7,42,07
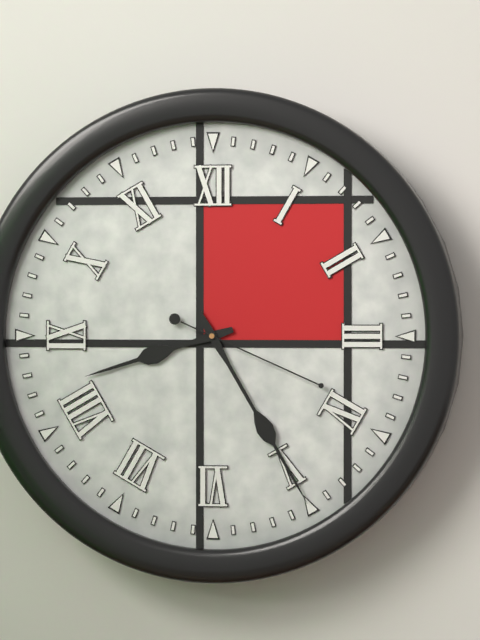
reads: 8,25,19
